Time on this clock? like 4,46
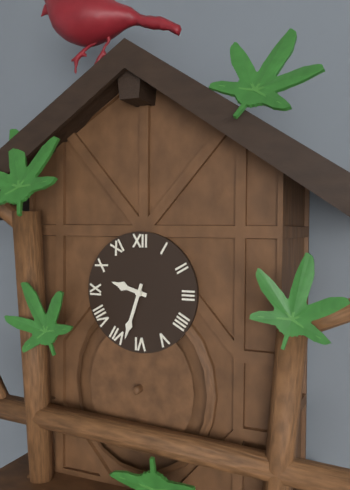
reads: 9,33
